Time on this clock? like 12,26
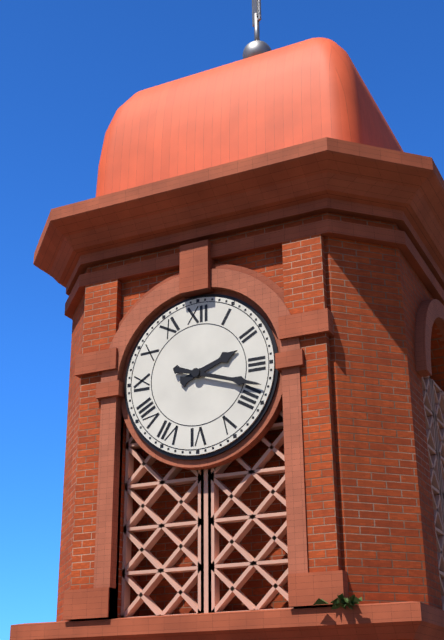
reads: 2,18
